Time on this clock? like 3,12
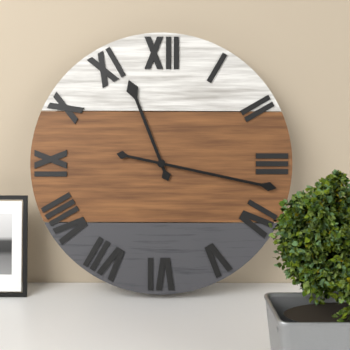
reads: 11,17
